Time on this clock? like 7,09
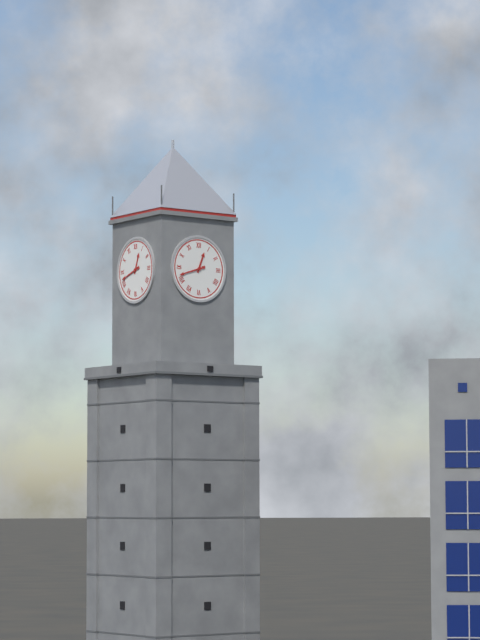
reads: 12,42
